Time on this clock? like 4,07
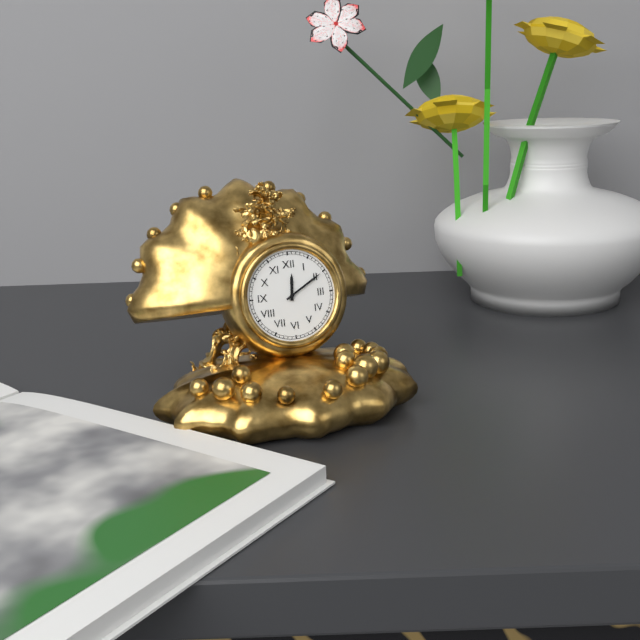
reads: 12,10
